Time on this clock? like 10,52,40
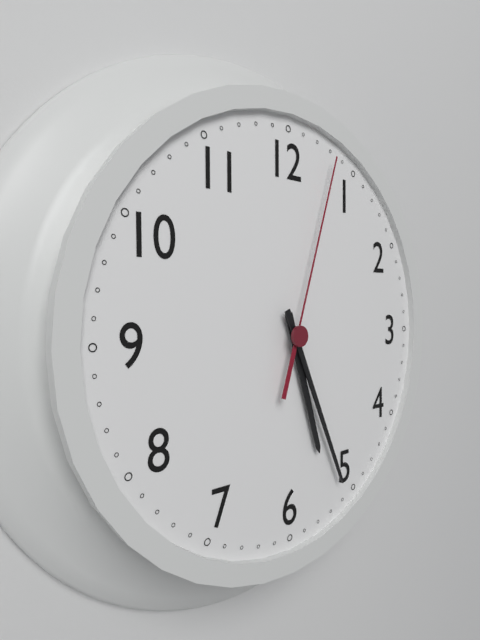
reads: 5,26,03
